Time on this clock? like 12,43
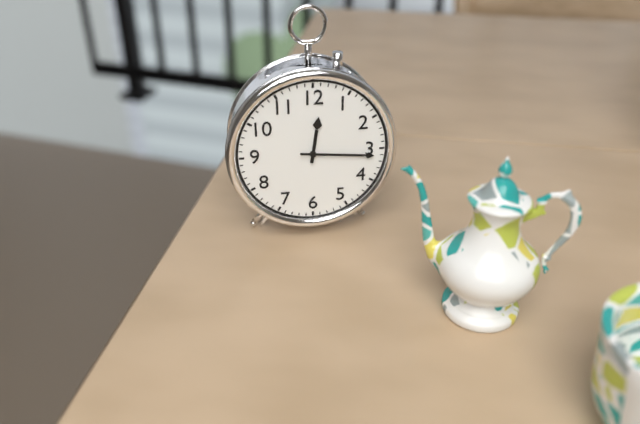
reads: 12,16
